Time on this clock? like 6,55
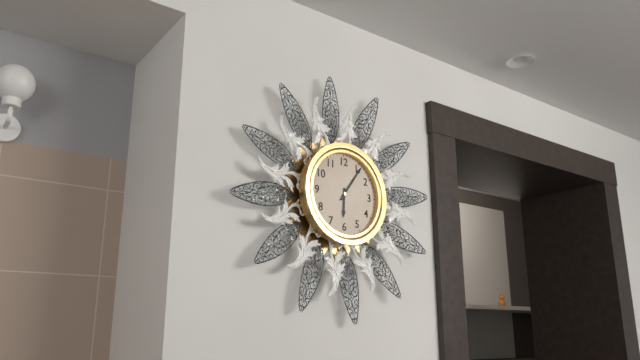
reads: 6,06
